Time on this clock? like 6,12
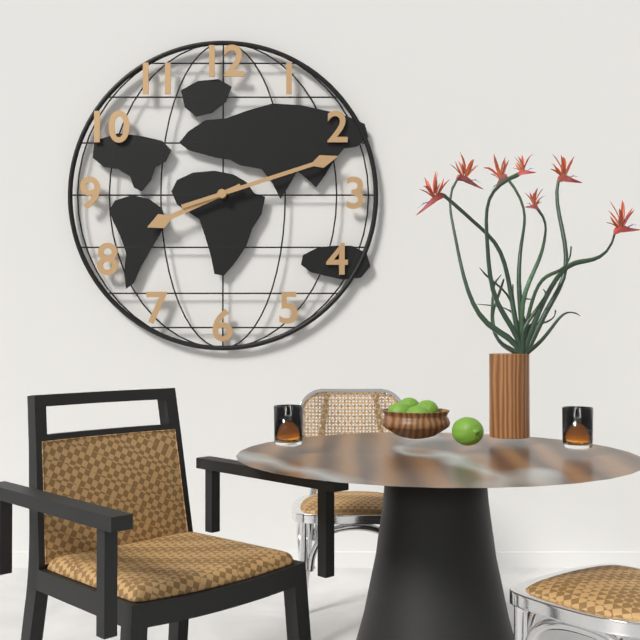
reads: 8,12
